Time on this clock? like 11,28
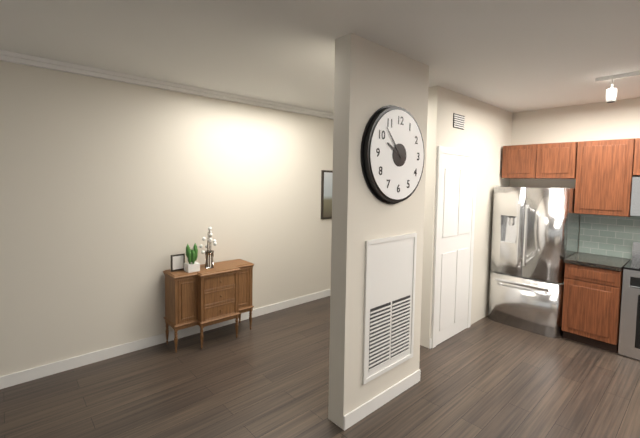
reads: 9,53
